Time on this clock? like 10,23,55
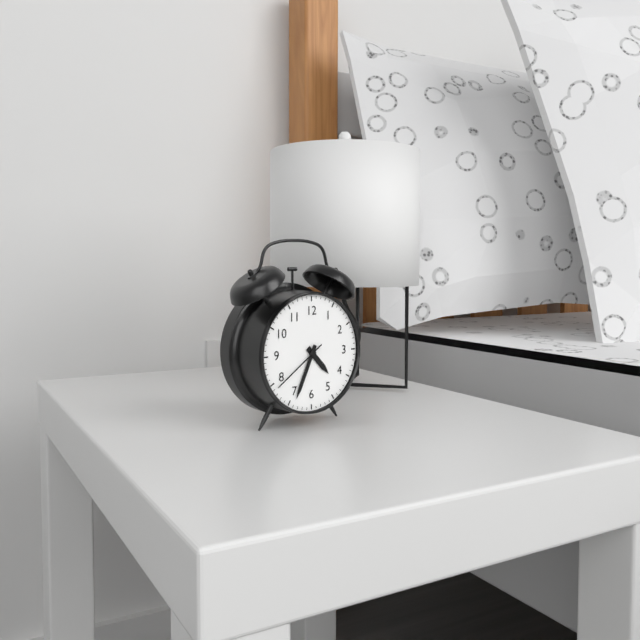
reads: 4,34,39
